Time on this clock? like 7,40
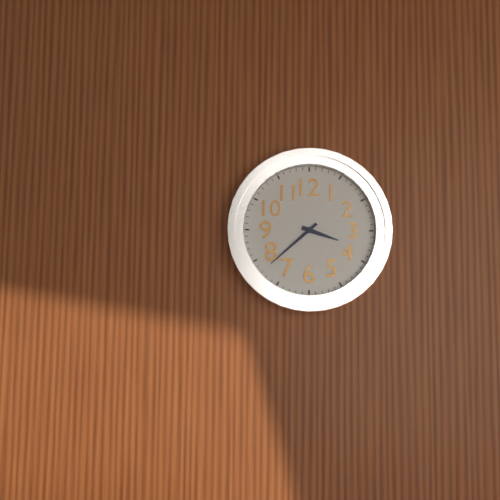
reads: 3,38
